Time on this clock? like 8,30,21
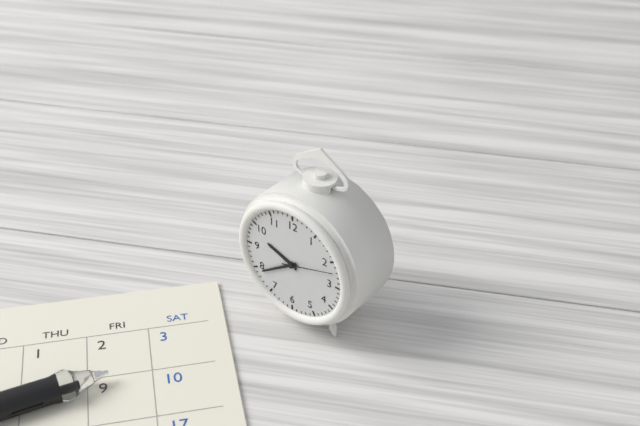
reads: 9,39,12
